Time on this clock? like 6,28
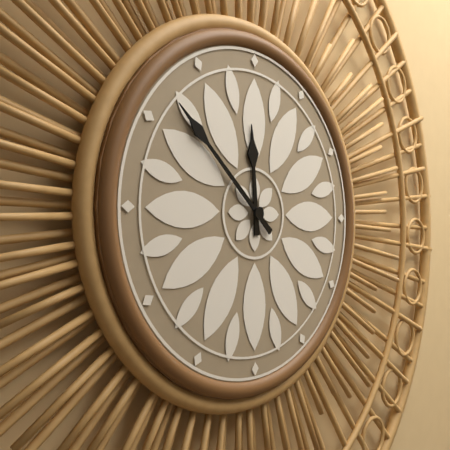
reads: 11,52
